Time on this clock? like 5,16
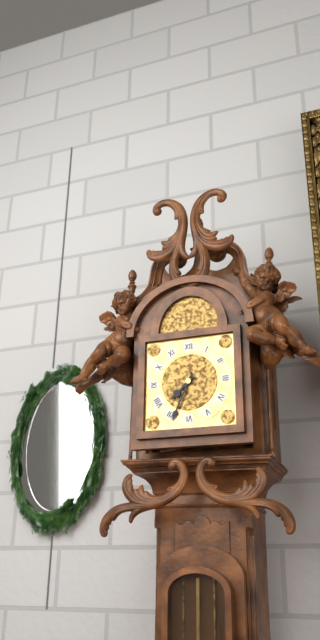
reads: 7,34
